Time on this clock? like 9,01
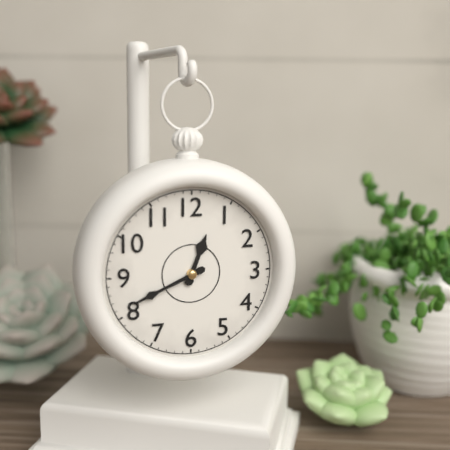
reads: 12,41
